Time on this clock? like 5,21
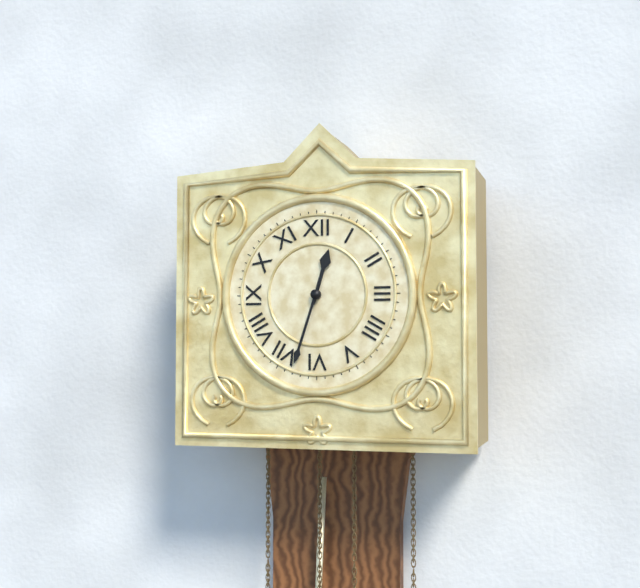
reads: 12,33
